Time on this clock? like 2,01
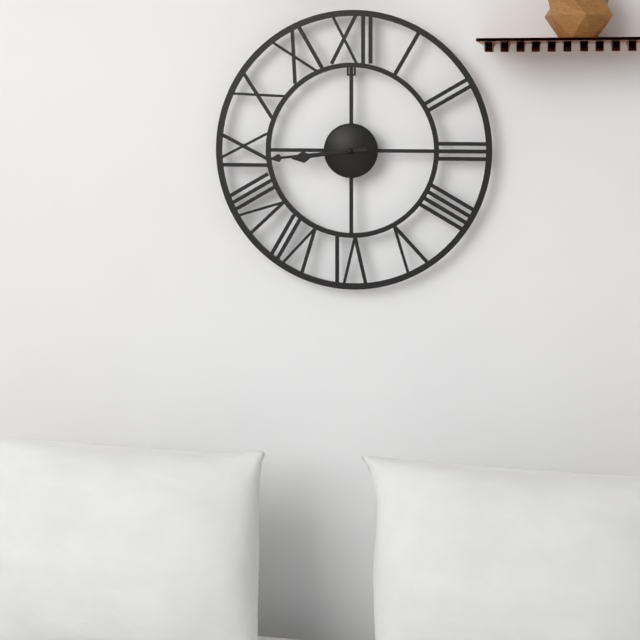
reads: 8,44
